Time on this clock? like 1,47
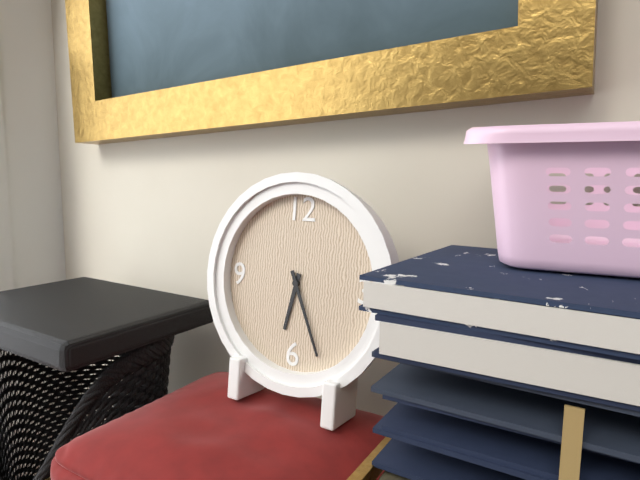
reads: 6,26
